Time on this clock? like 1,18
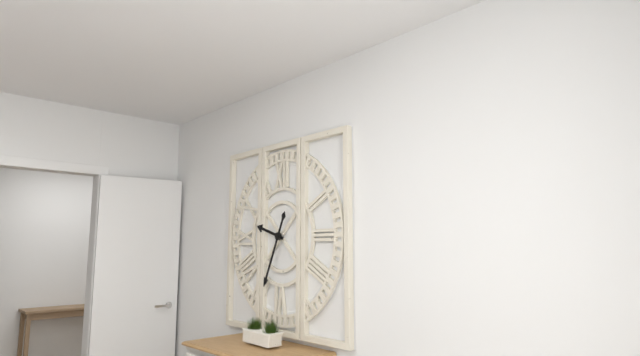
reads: 9,34
